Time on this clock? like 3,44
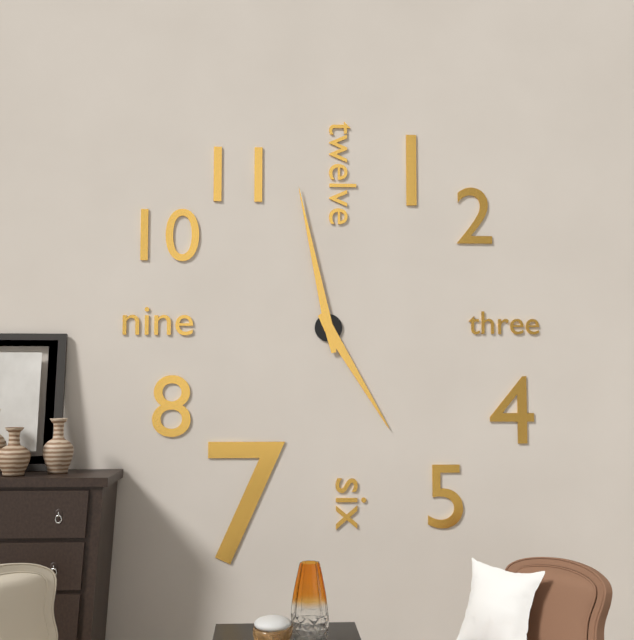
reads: 4,58
